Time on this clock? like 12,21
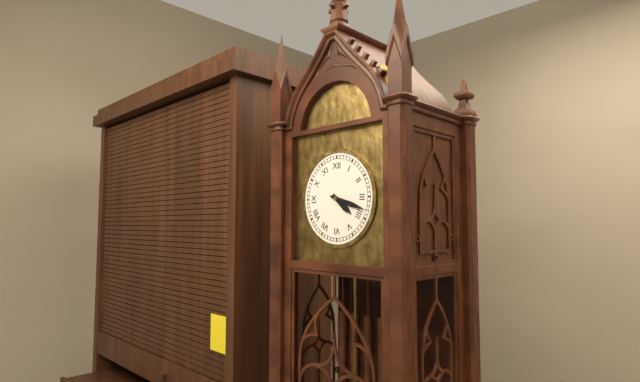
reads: 4,18
